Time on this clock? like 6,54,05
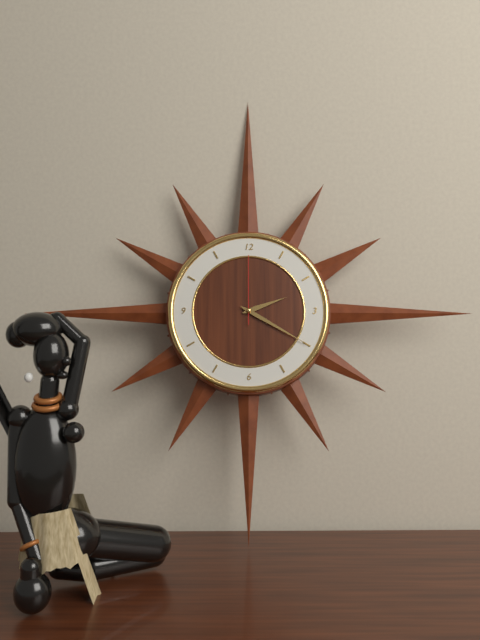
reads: 2,20,00
